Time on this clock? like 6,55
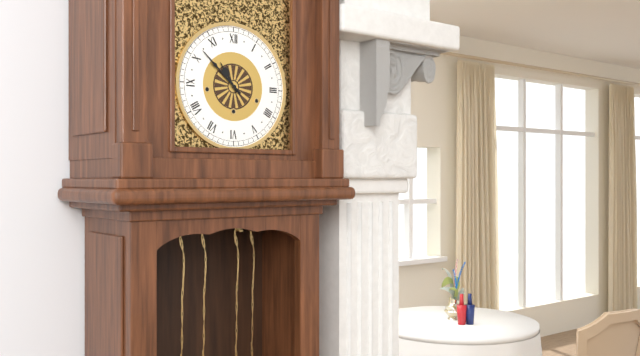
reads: 10,52
